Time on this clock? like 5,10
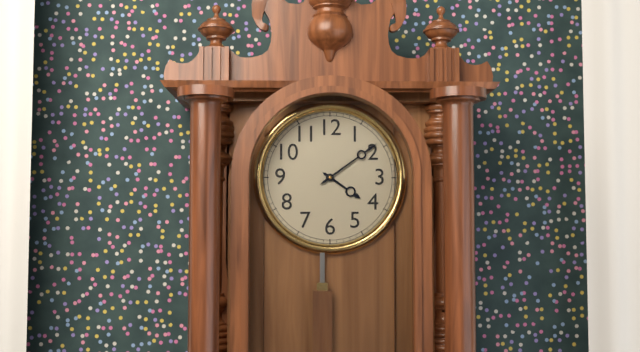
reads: 4,09
